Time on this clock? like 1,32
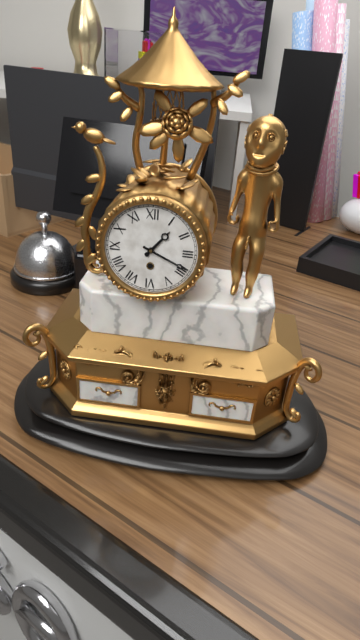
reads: 1,19
